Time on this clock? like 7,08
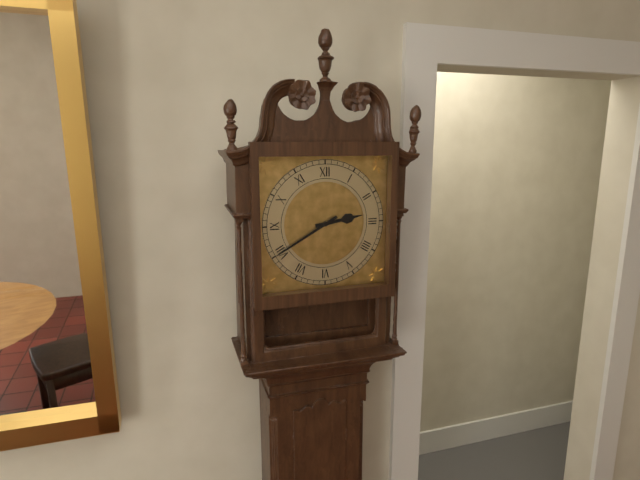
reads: 2,40
